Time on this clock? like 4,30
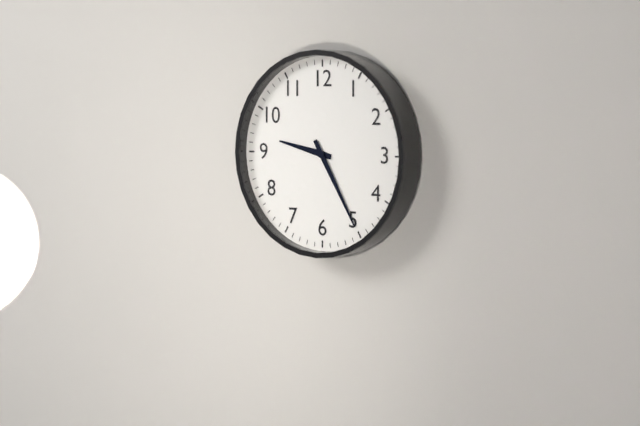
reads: 9,25
